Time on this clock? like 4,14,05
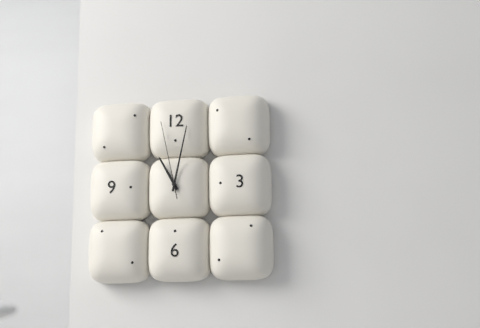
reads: 11,02,58
